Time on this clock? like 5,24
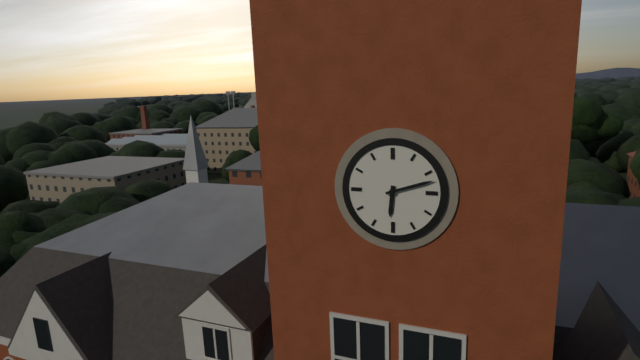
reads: 6,12
